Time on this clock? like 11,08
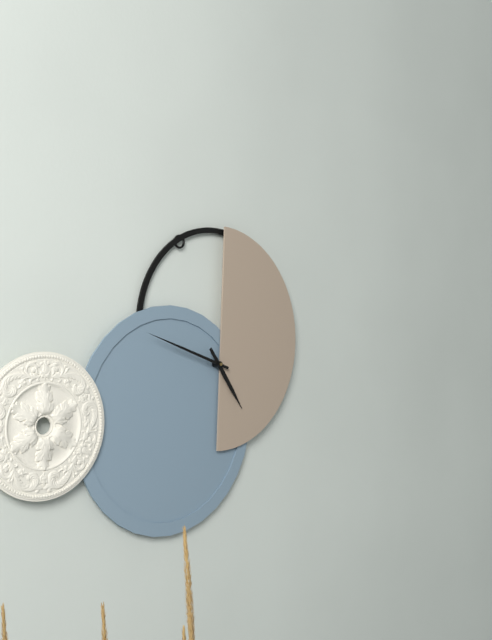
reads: 4,48
